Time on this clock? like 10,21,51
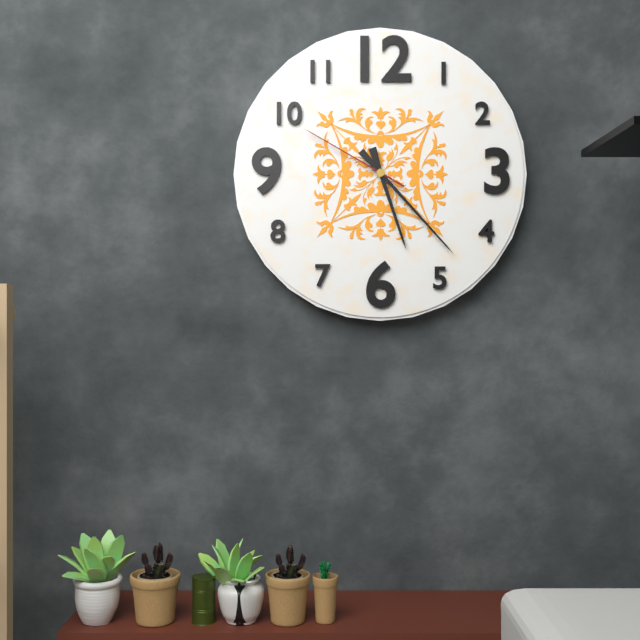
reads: 5,23,50
